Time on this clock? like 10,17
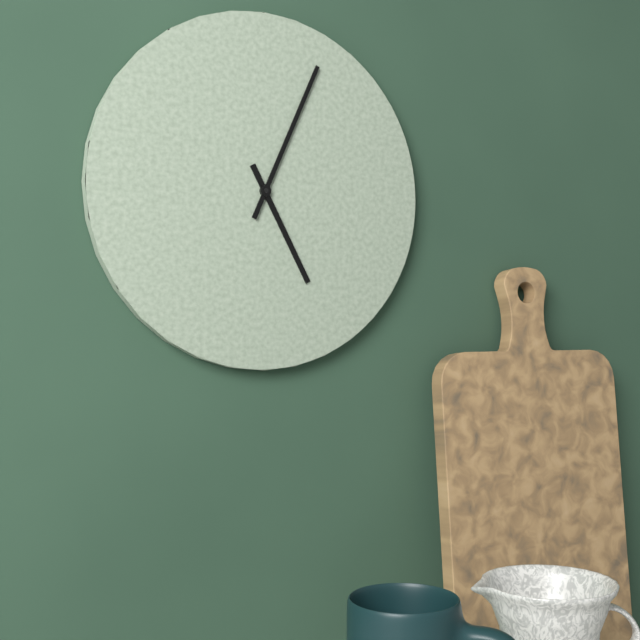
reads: 5,04
